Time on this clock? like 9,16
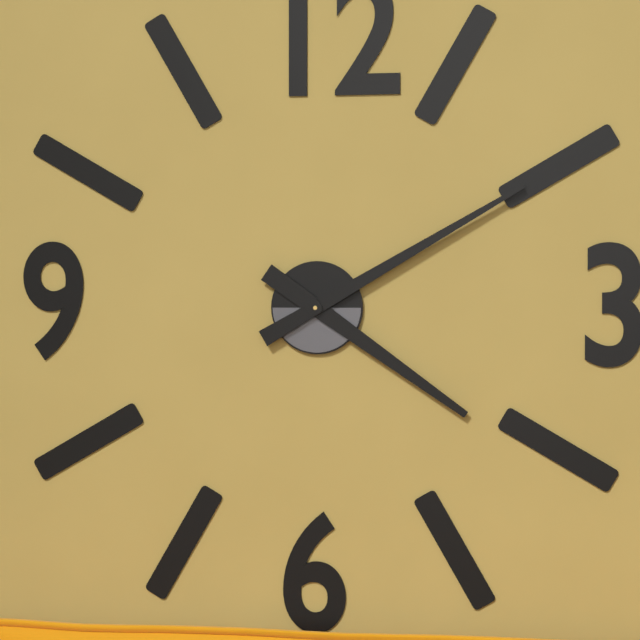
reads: 4,10
